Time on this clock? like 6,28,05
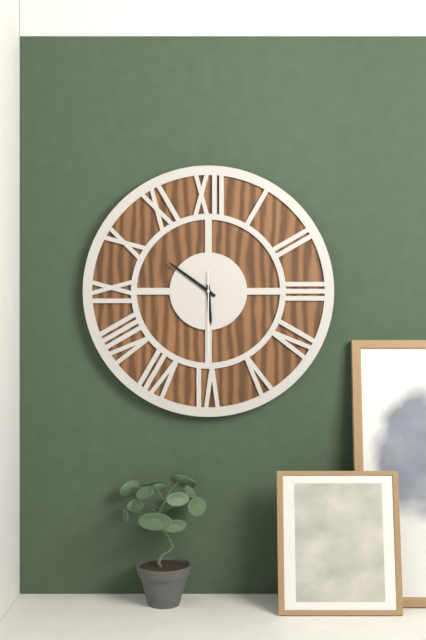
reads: 5,51,30
